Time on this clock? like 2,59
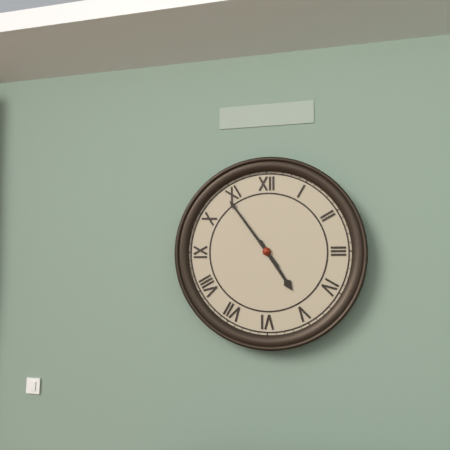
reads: 4,54
